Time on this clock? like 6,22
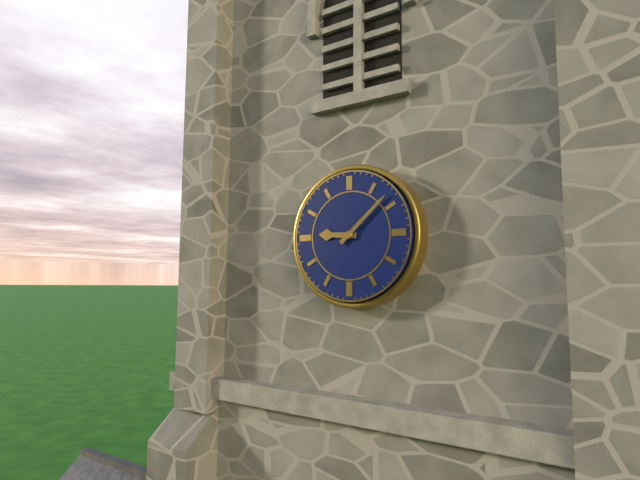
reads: 9,08
